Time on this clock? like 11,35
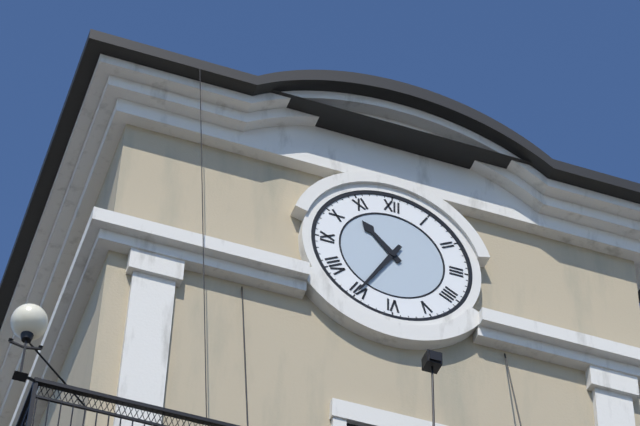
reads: 10,35
